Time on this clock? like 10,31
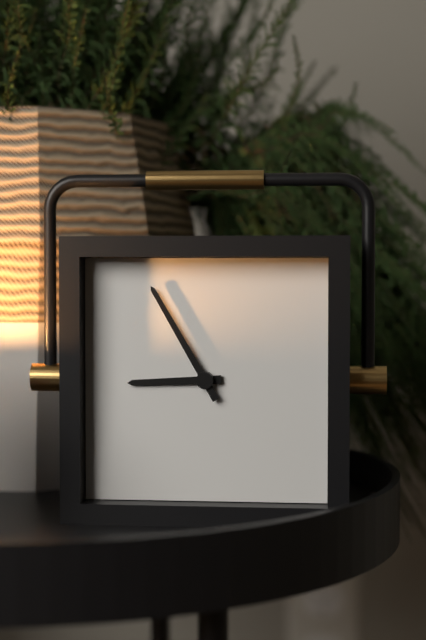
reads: 8,55
